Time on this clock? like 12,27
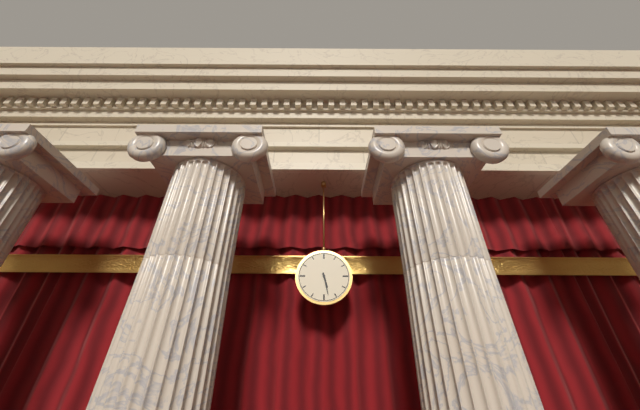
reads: 5,28
